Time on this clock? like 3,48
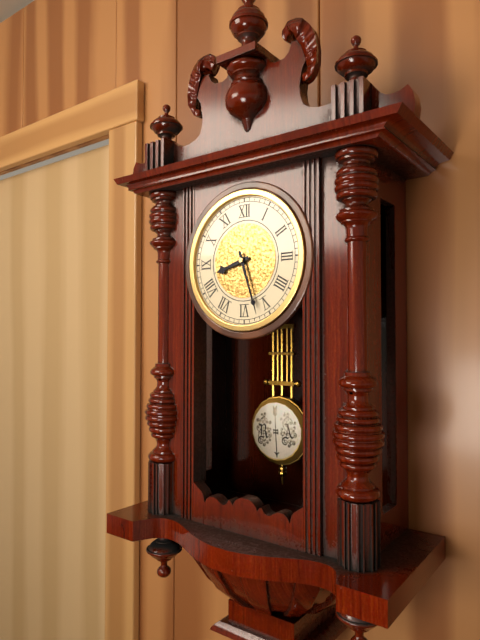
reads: 8,27
